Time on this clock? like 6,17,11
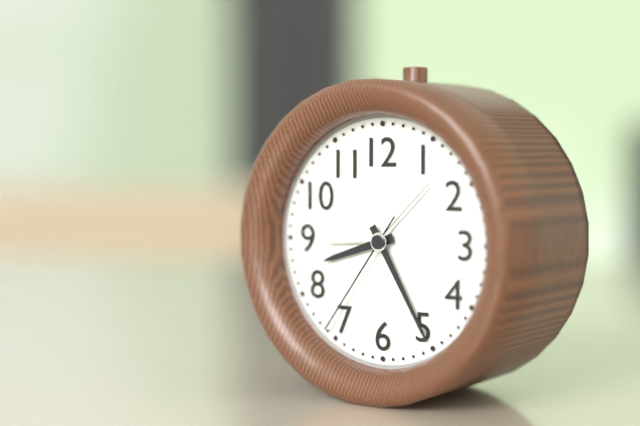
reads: 8,25,36
